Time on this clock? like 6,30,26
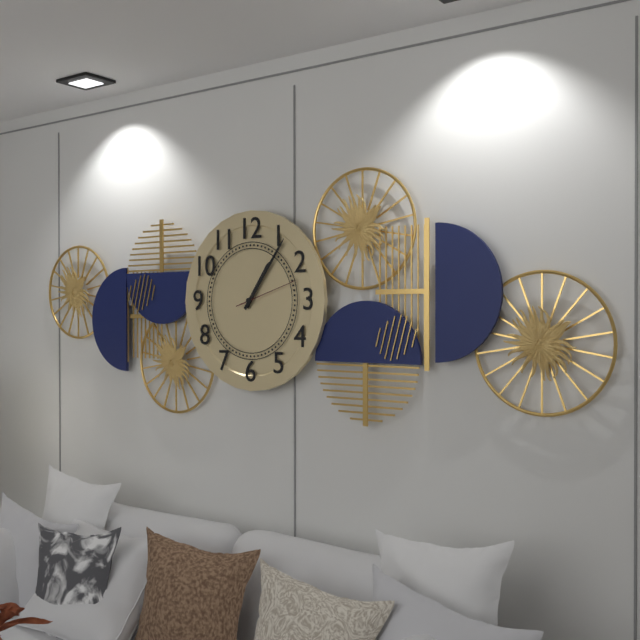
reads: 1,06,12
